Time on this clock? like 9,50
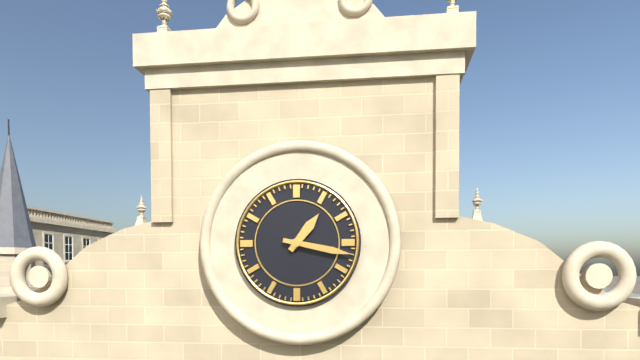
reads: 1,17
